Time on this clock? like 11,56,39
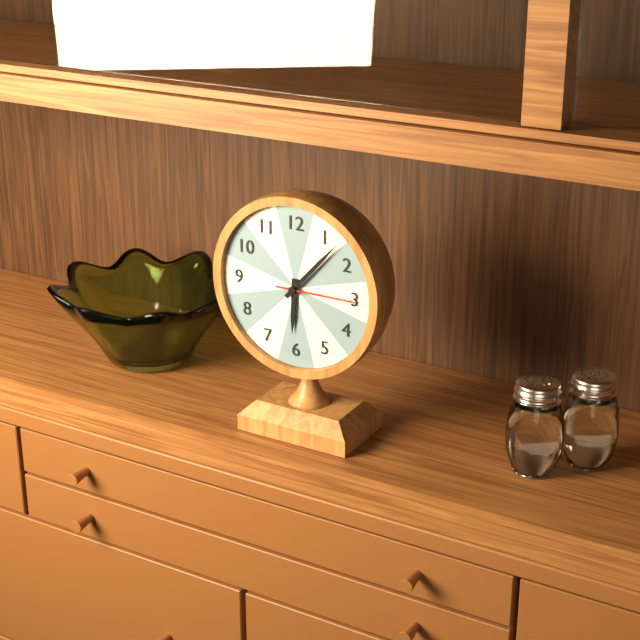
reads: 6,07,15
